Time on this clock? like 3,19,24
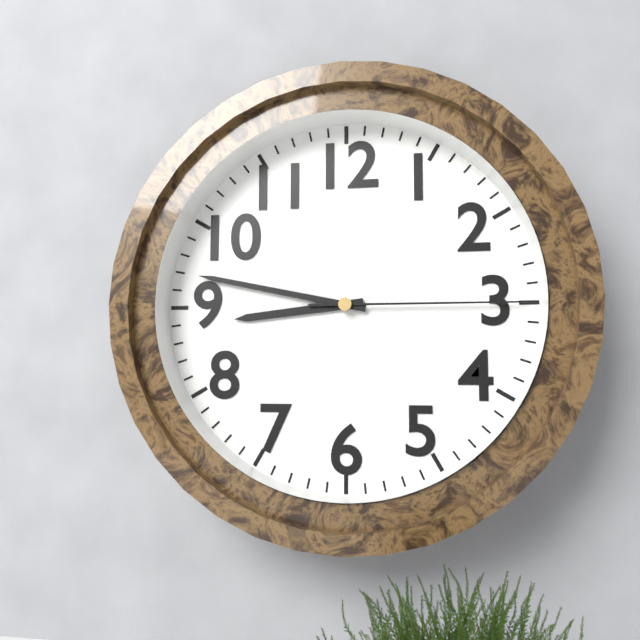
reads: 8,47,15
